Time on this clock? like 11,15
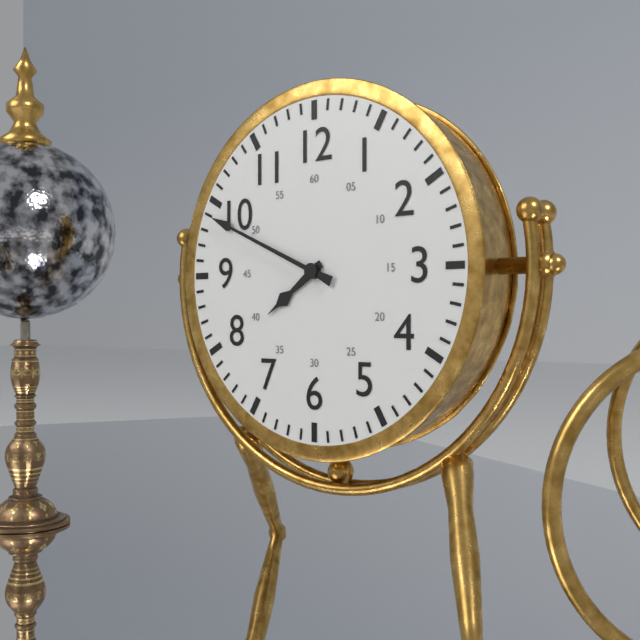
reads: 7,49
